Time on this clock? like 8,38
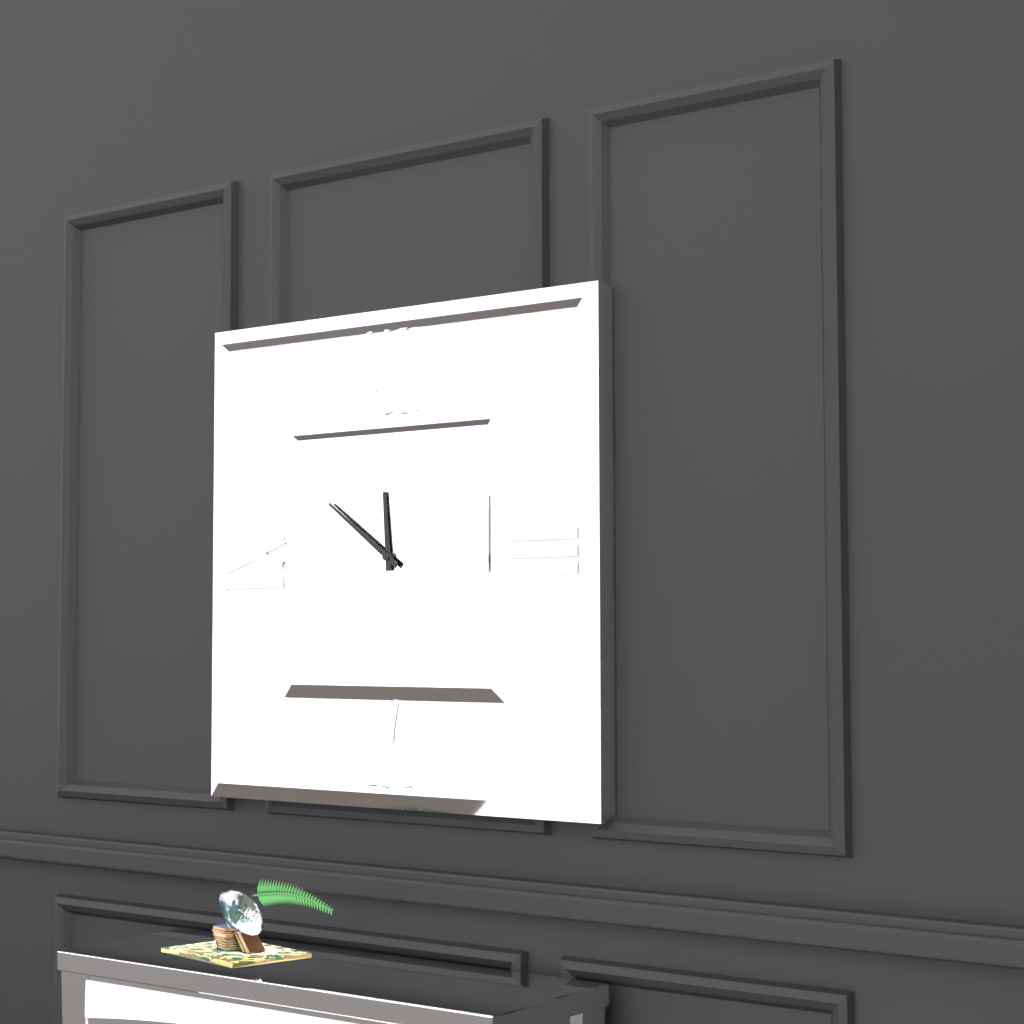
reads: 11,51
